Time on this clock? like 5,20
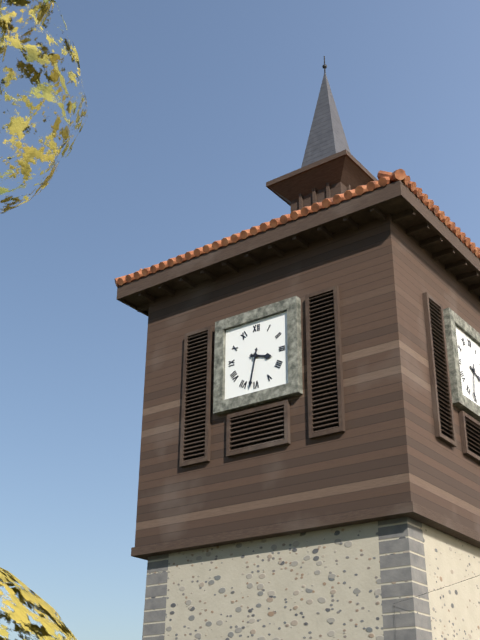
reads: 3,32
